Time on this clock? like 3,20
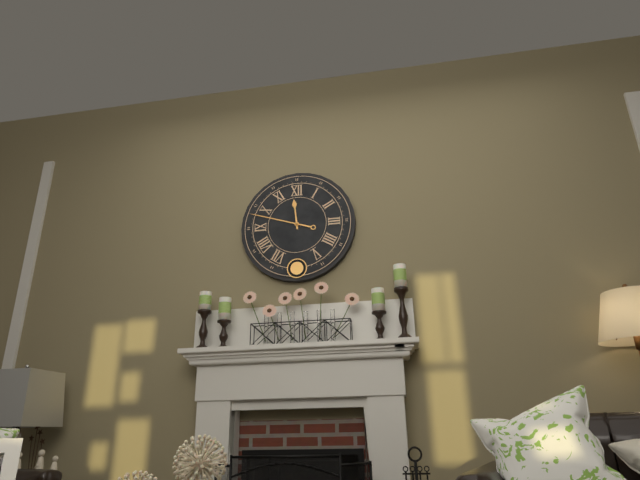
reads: 11,48
